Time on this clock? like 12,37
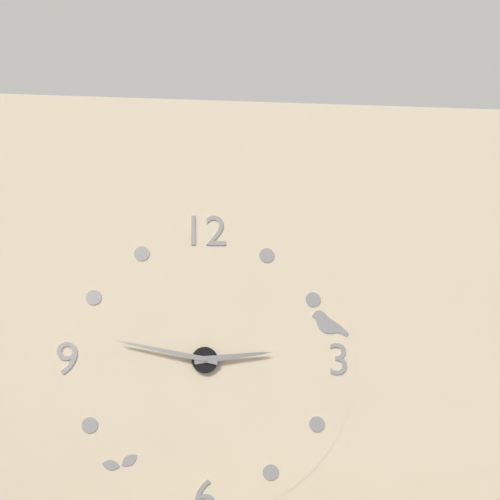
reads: 2,47
